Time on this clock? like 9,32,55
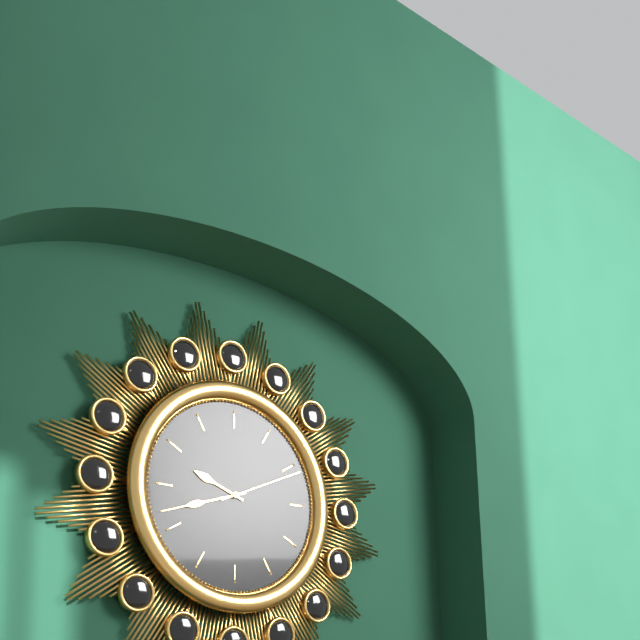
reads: 9,42,11
